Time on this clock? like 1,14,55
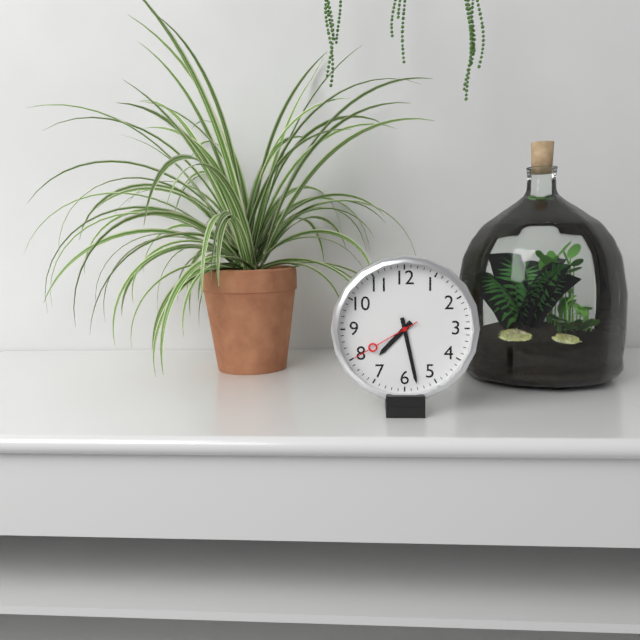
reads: 7,28,40
